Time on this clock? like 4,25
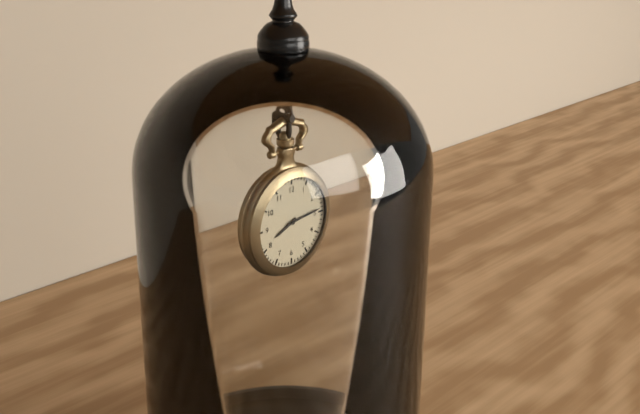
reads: 8,14
